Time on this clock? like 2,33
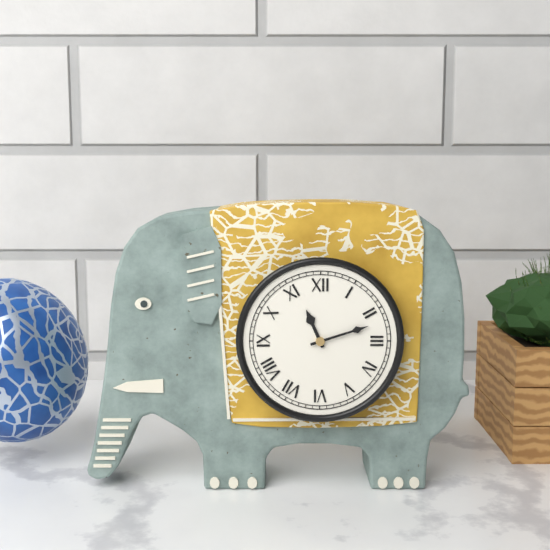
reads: 11,12
